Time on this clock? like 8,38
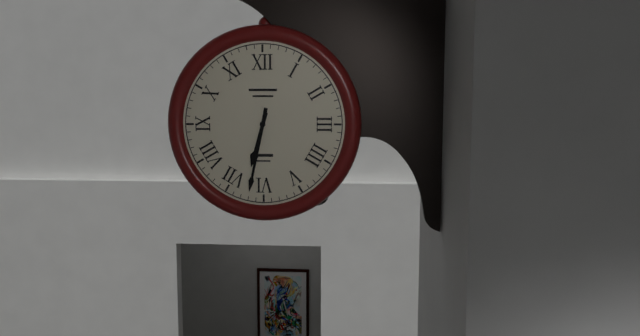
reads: 6,32
